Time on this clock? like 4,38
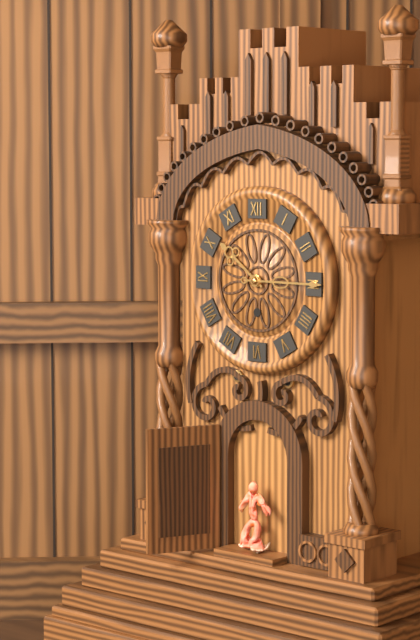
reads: 10,15
